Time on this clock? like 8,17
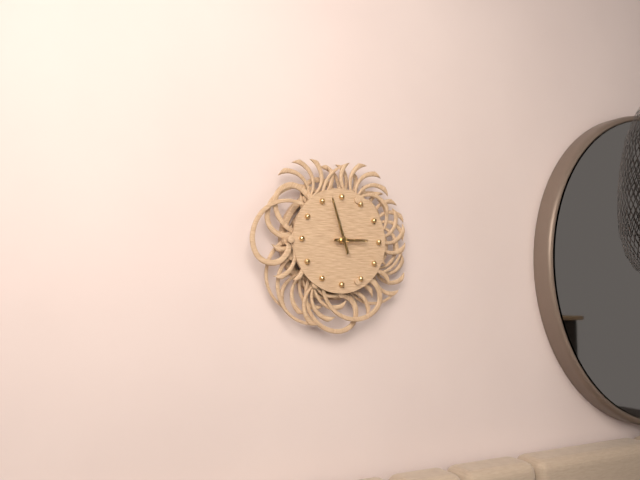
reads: 2,57
